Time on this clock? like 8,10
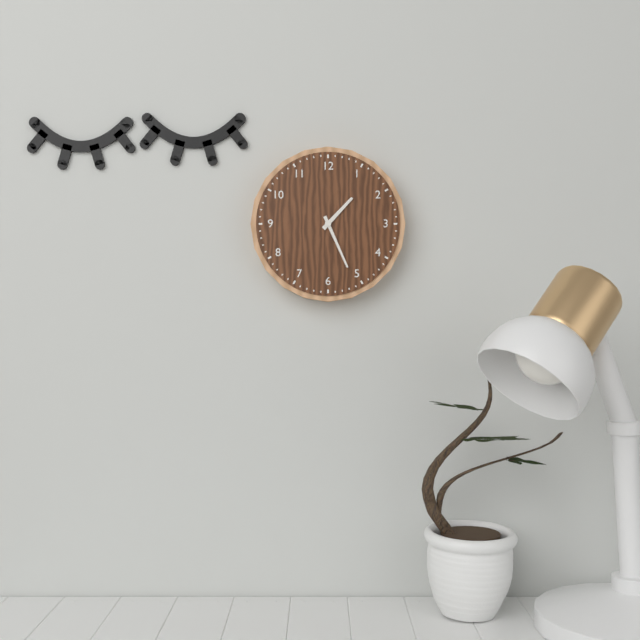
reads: 1,26
